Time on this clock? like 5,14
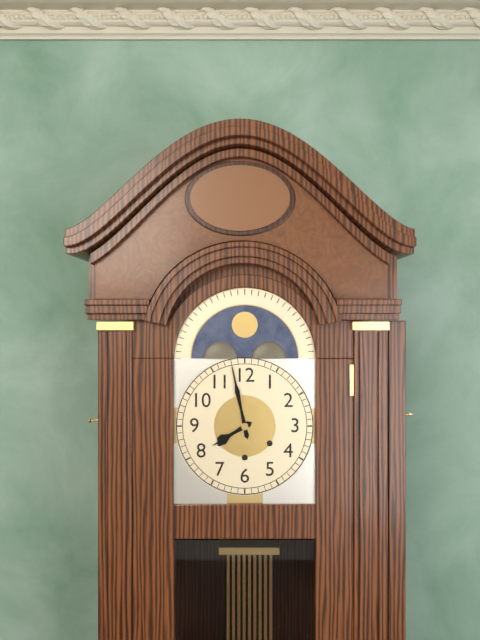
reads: 7,58
